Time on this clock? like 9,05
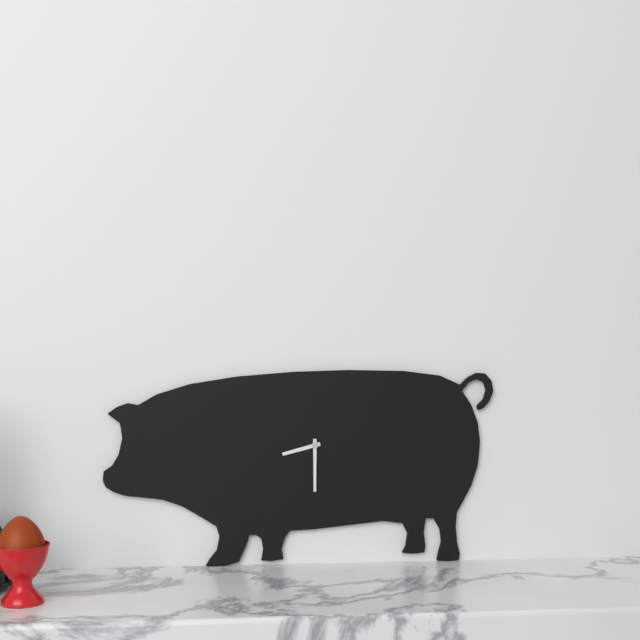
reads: 8,30
